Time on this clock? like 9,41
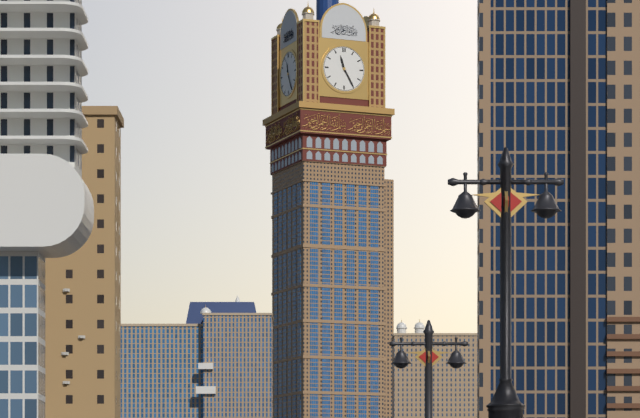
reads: 11,25
